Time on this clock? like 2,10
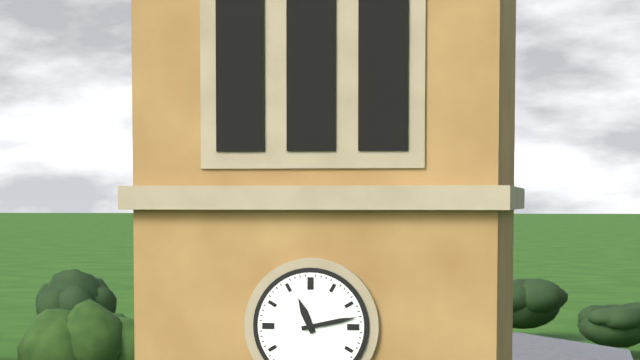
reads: 11,13
